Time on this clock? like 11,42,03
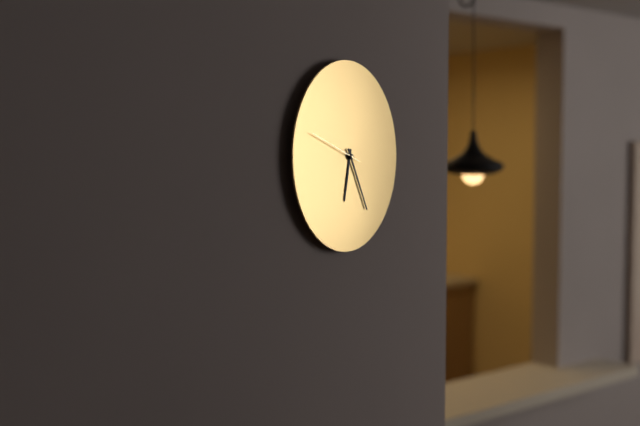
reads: 6,25,48
